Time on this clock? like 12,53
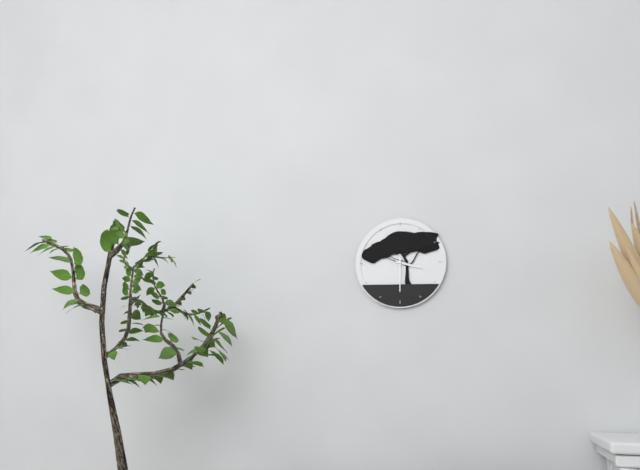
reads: 3,30
